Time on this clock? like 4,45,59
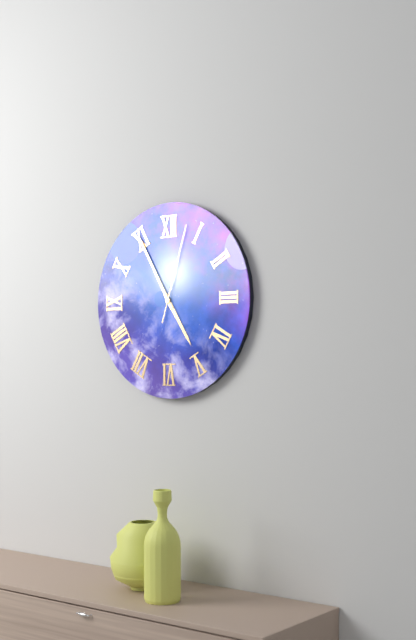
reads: 4,55,03
